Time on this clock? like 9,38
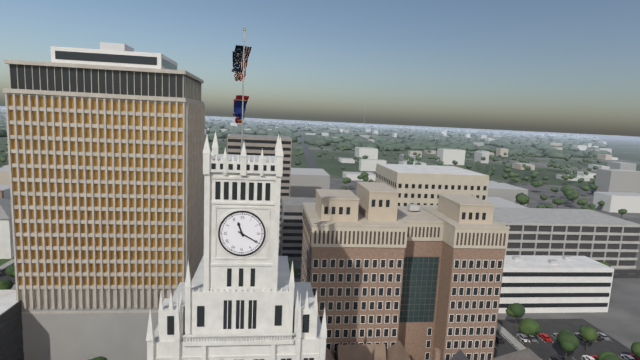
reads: 11,20
